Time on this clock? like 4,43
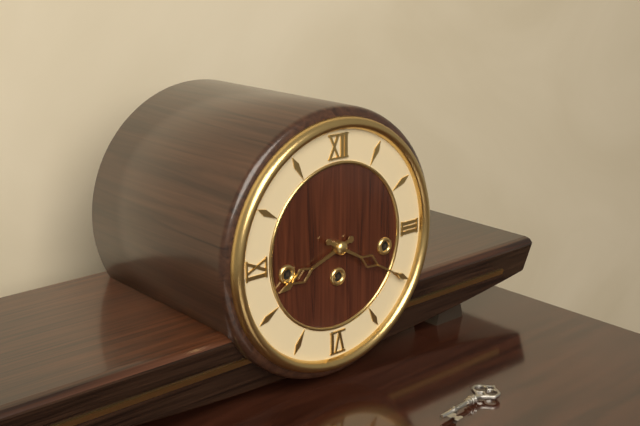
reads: 8,20
